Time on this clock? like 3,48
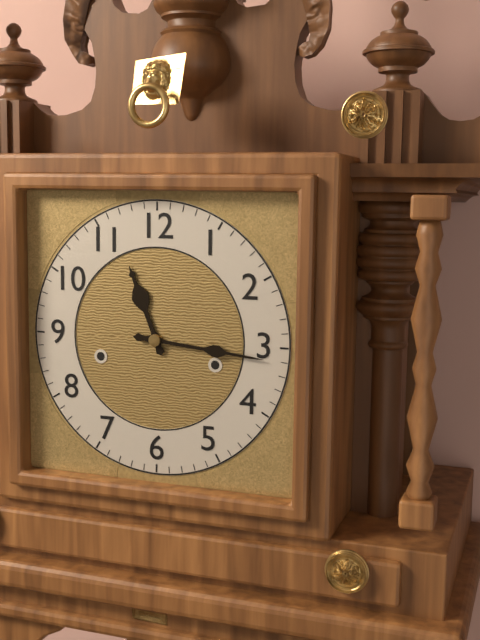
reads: 11,16
